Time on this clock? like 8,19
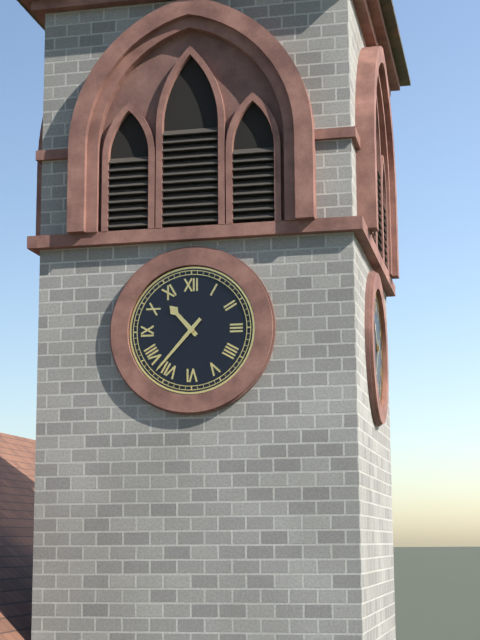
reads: 10,37
